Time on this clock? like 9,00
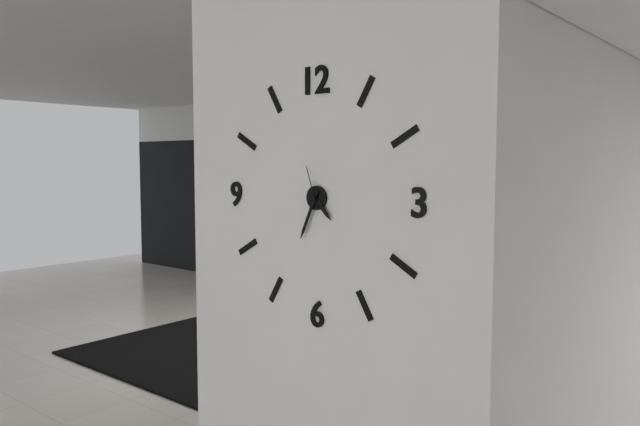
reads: 4,34
